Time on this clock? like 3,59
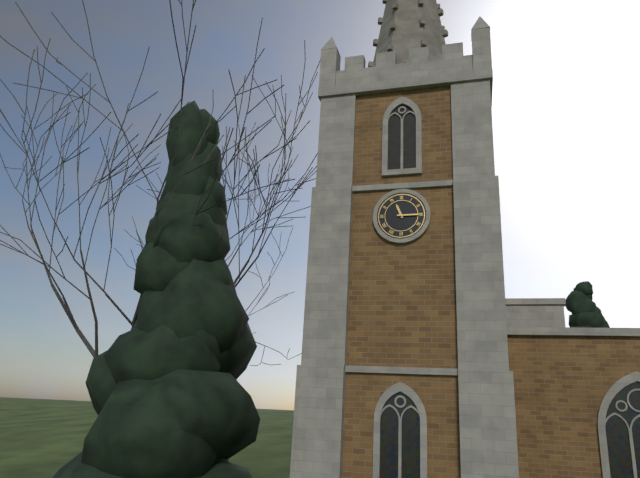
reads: 11,15
